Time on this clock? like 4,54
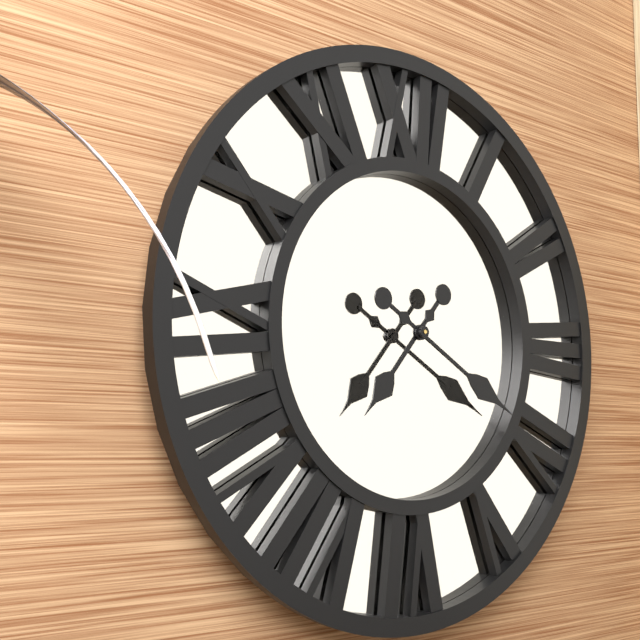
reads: 7,20
